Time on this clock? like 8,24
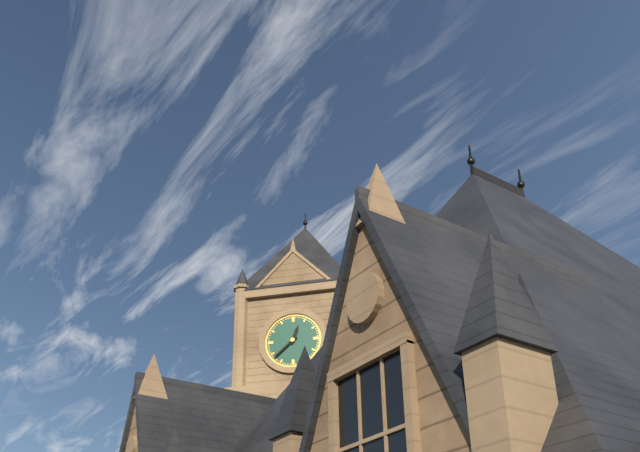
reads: 12,38
